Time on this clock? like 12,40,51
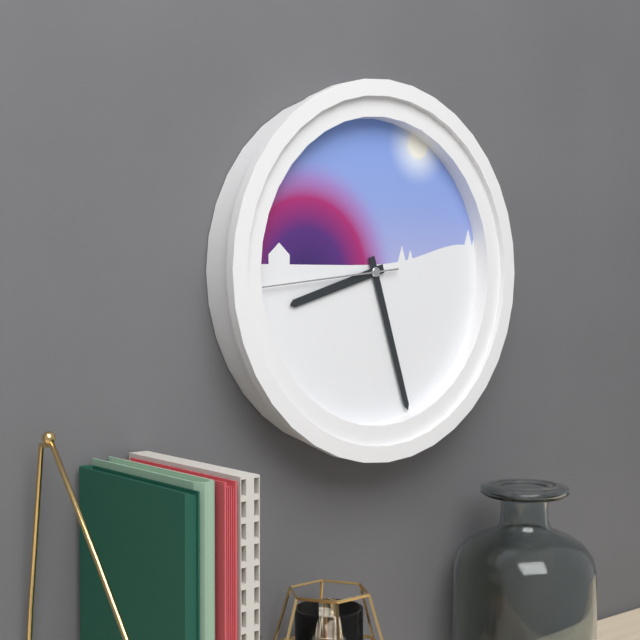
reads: 8,27,44
